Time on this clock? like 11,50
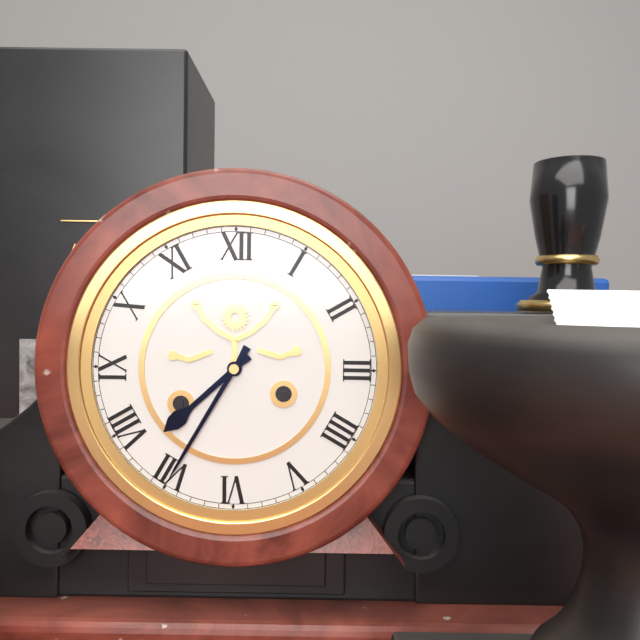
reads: 7,35
